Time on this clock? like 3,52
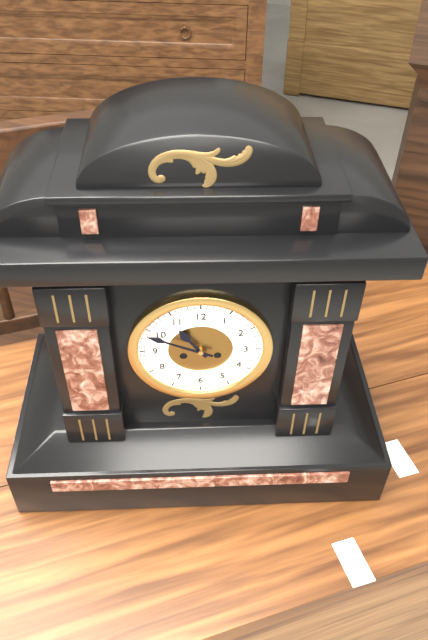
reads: 10,49
